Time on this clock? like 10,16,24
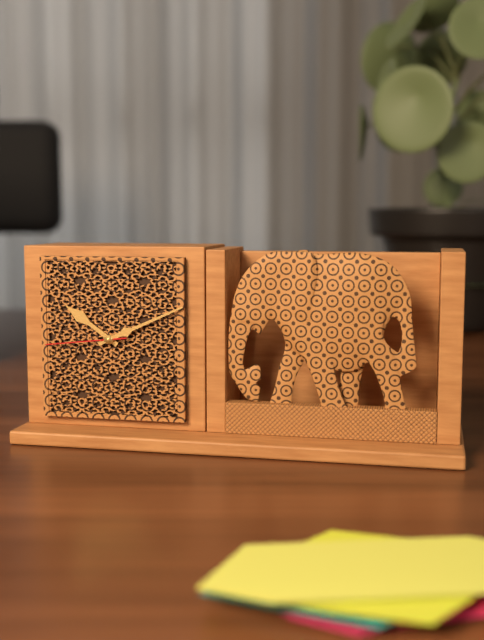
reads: 10,11,44
